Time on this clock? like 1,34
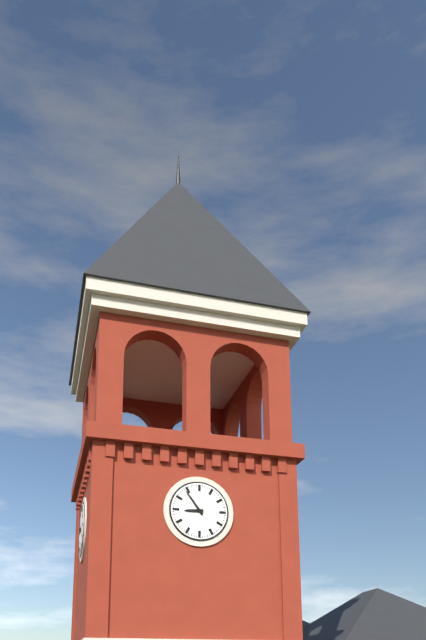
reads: 8,54
